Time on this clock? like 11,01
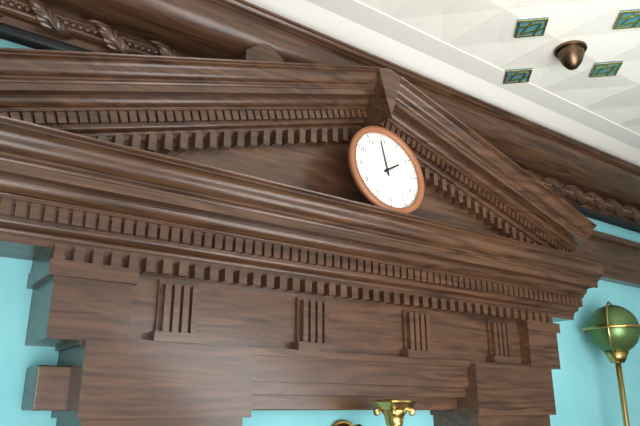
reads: 1,59
